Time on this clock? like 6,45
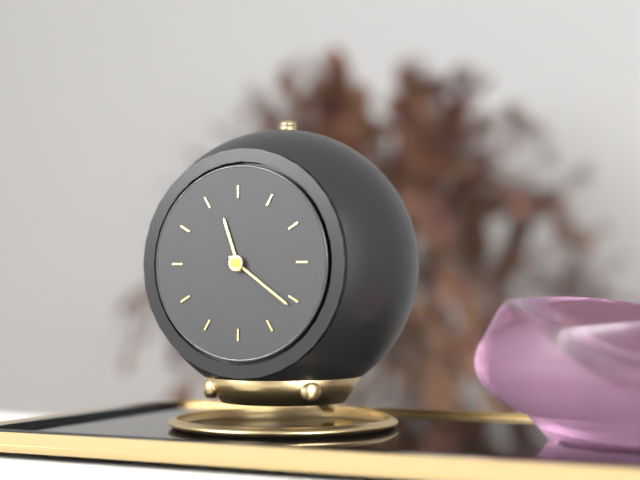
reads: 11,21
